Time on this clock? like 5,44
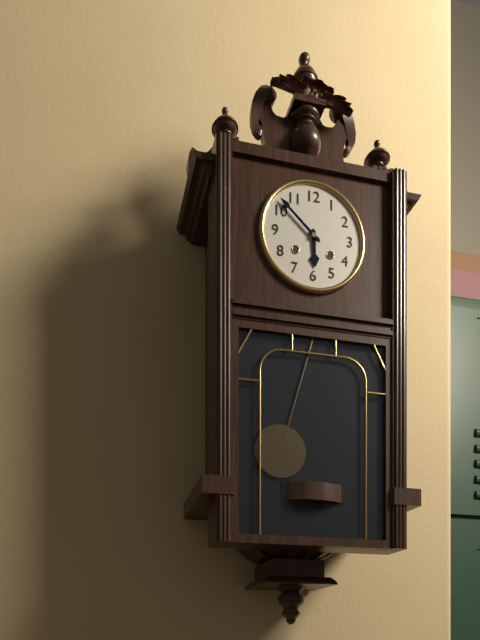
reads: 5,52
